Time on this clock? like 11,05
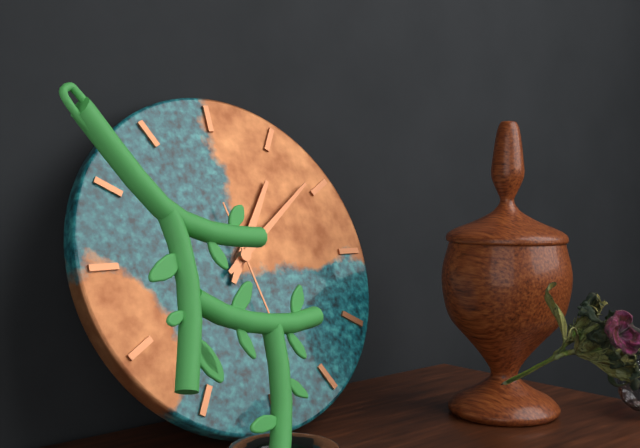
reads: 1,09
